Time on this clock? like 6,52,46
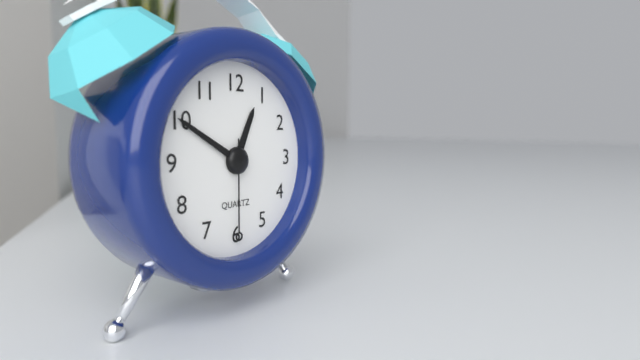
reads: 12,50,30
